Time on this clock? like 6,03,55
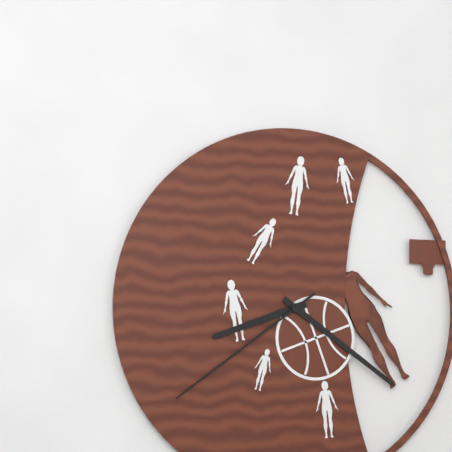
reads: 8,21,39
